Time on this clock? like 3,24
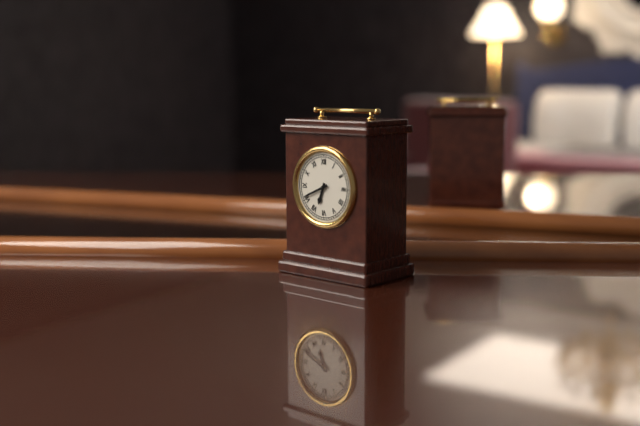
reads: 6,41
